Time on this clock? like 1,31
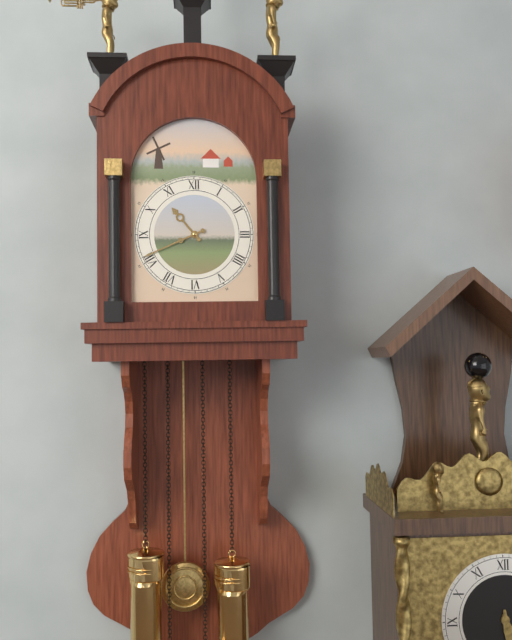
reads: 10,41
